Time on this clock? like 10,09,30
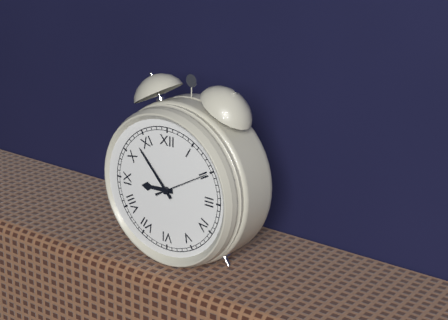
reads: 8,53,10
